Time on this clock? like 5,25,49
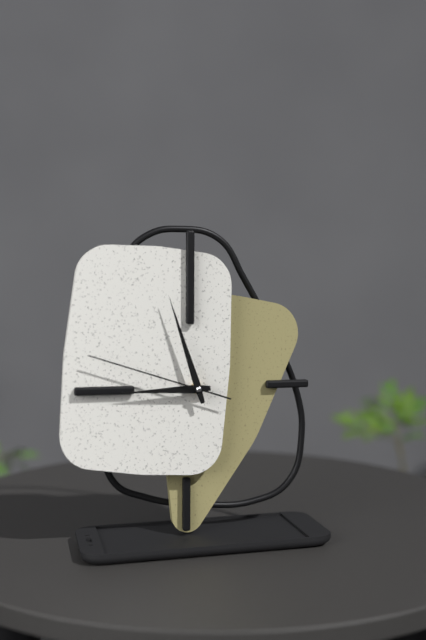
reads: 8,57,48
